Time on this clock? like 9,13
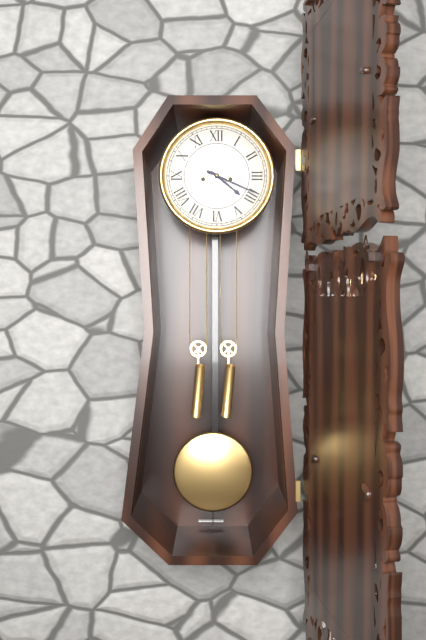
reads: 4,19
